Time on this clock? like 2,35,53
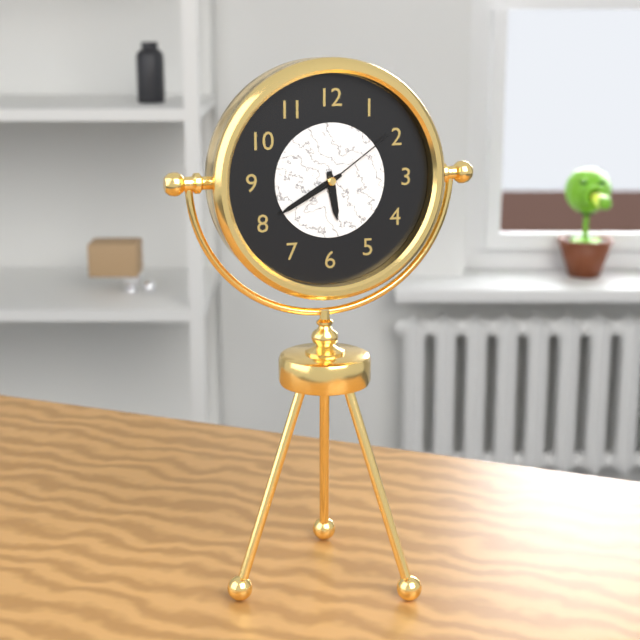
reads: 5,40,09
